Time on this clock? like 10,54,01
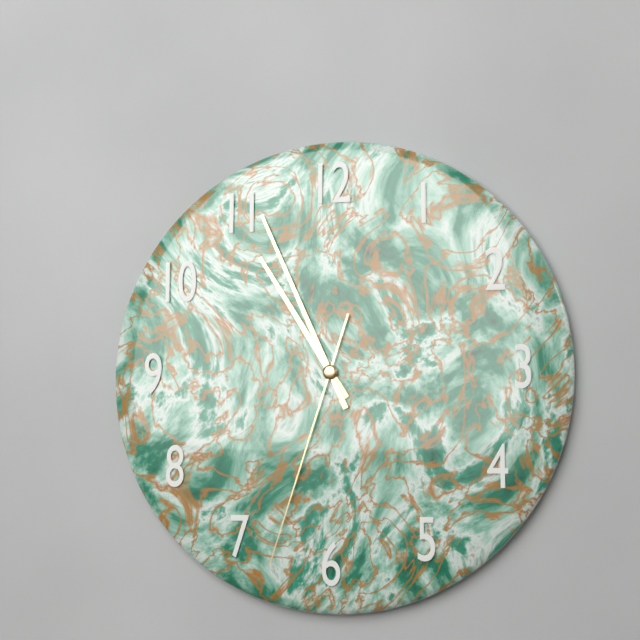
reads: 10,56,33
